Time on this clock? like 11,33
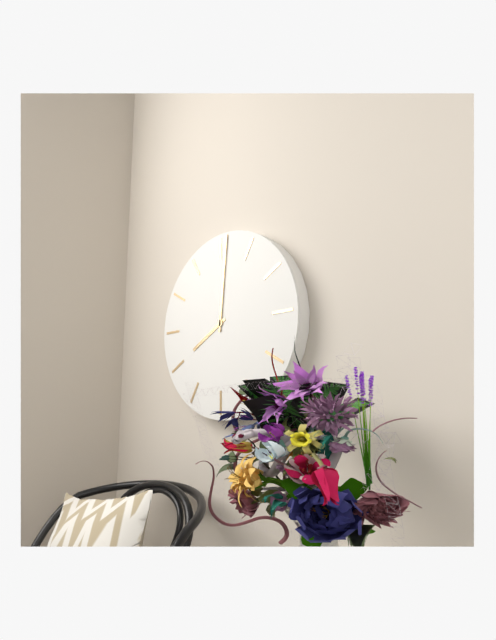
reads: 8,01
